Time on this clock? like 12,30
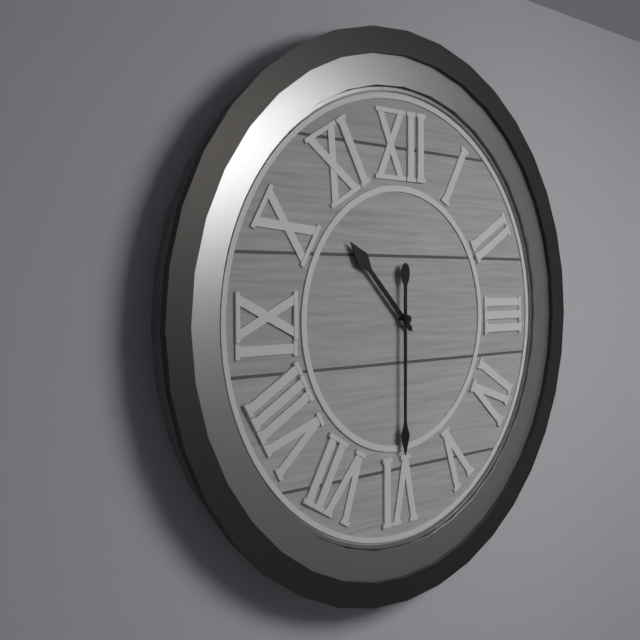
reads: 10,30
